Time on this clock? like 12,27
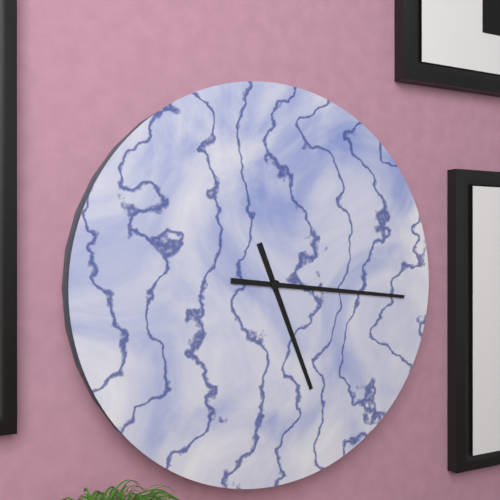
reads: 5,16
